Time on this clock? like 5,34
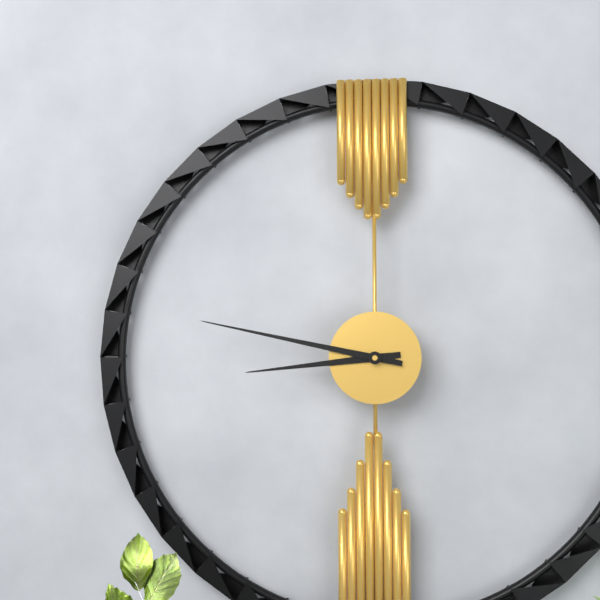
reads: 8,47
